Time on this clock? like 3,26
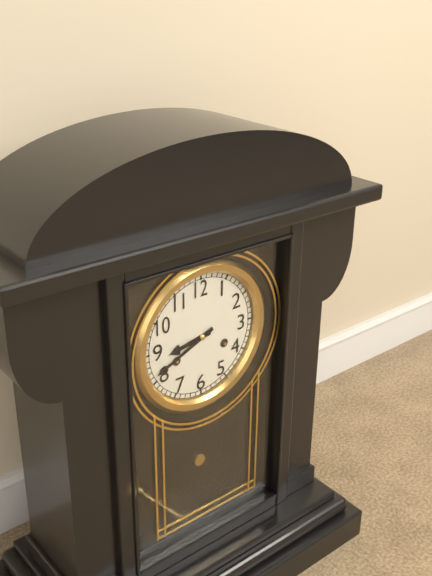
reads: 8,41
